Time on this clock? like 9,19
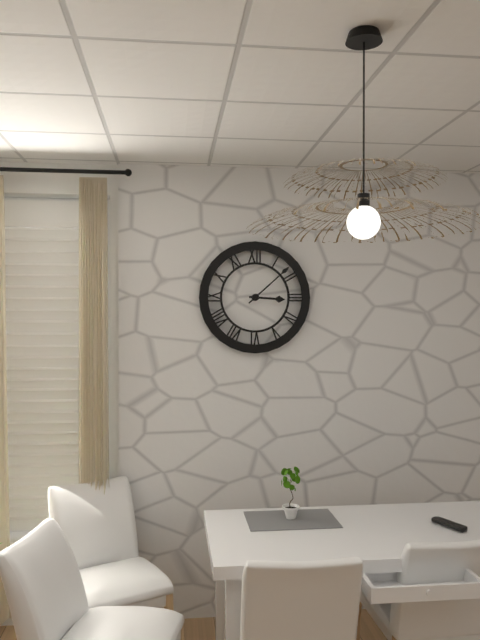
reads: 3,08
